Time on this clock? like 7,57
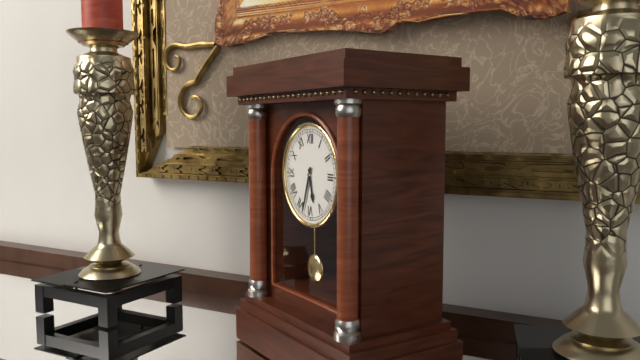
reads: 5,33
